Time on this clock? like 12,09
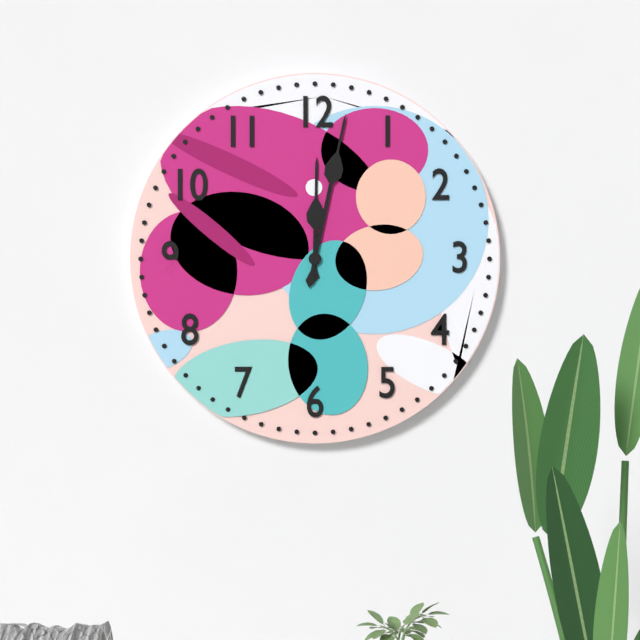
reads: 12,02
